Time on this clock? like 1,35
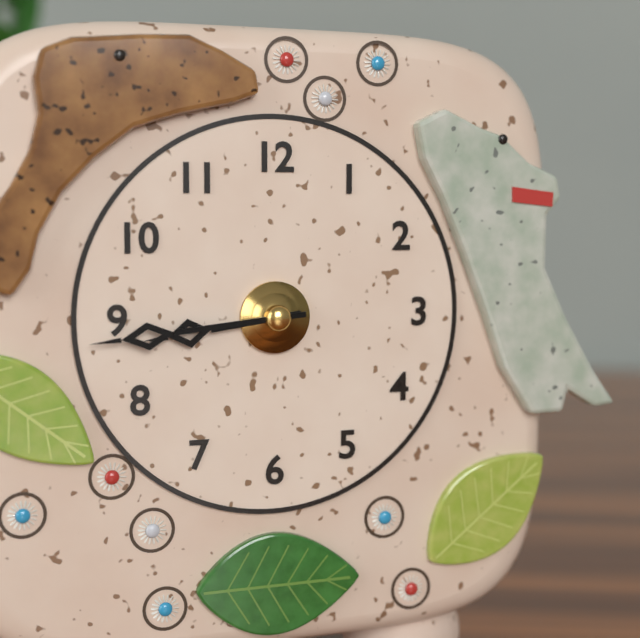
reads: 8,44
